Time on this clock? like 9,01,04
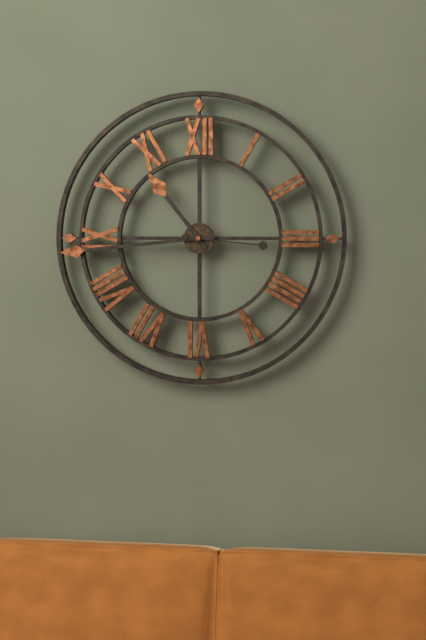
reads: 10,44,16
